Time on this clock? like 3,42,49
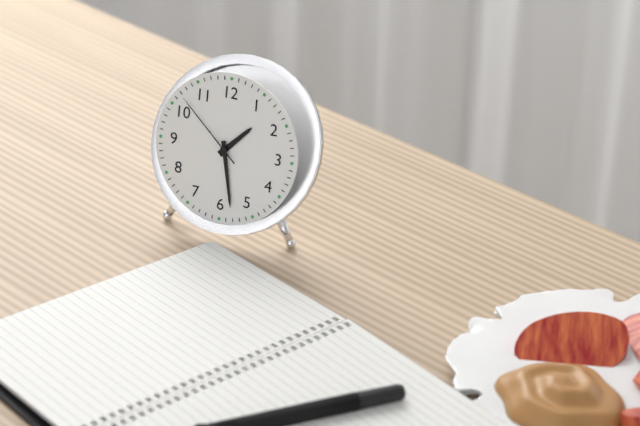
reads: 1,28,52
